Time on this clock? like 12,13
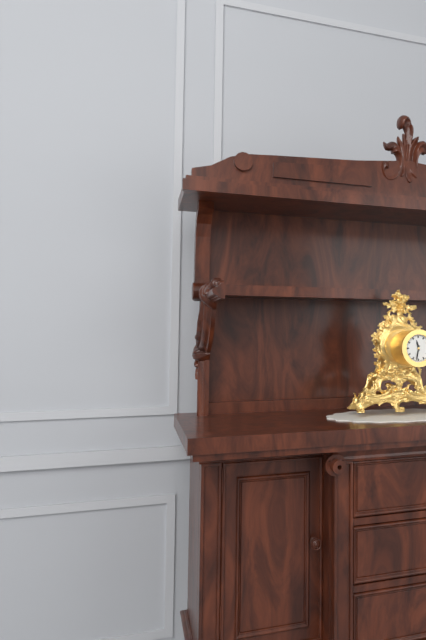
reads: 11,32
